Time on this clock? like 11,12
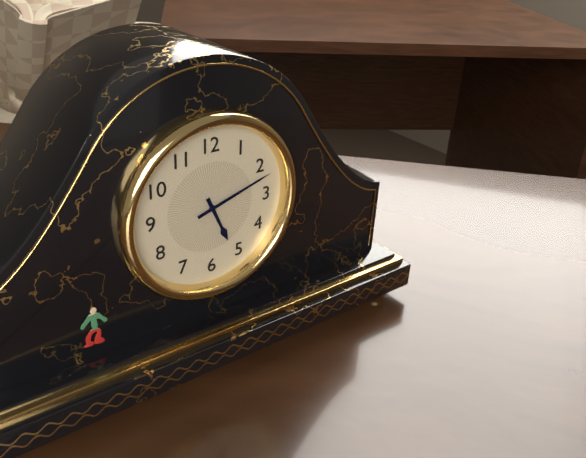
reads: 5,12
